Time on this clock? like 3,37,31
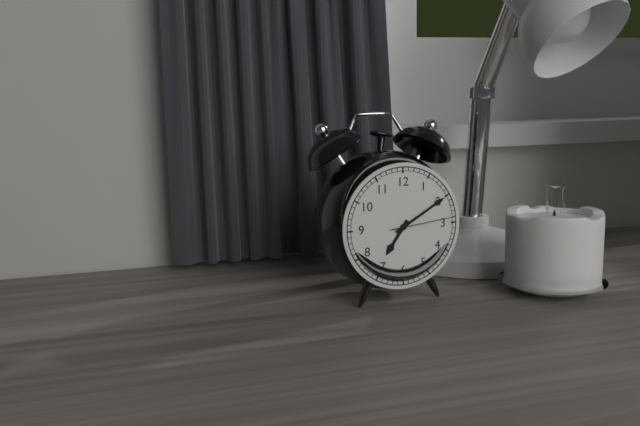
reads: 7,10,14
